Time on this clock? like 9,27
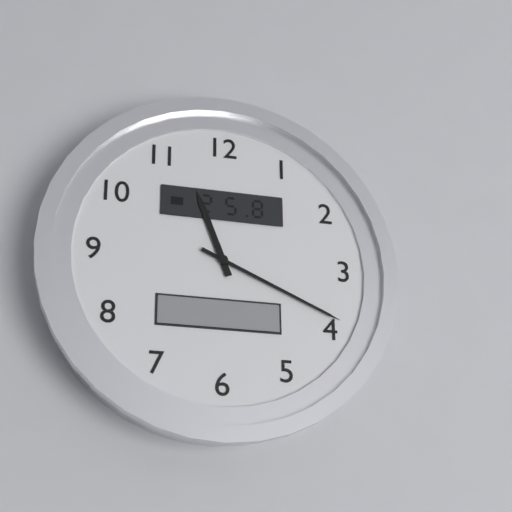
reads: 11,19
